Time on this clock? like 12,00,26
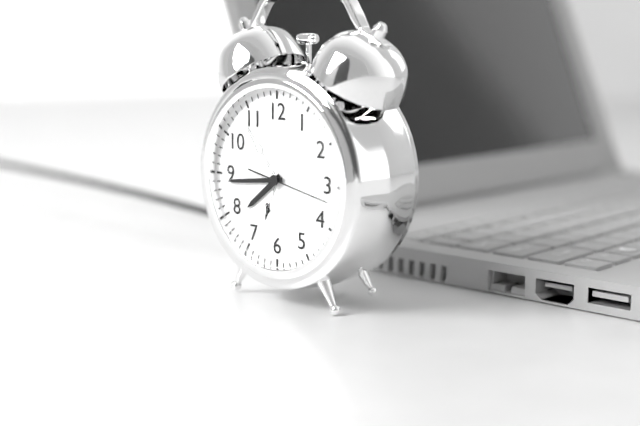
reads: 7,44,17
